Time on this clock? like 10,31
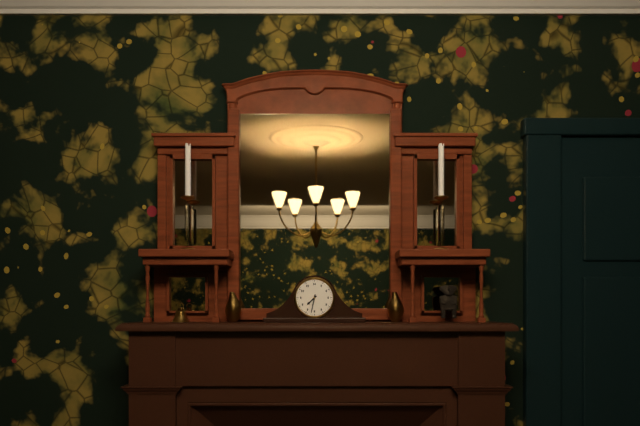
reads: 7,32
